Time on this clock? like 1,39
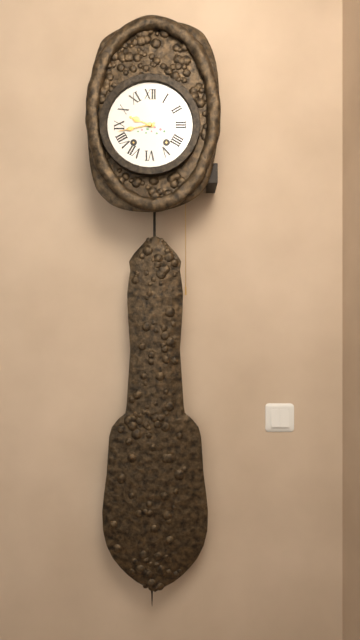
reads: 9,43
